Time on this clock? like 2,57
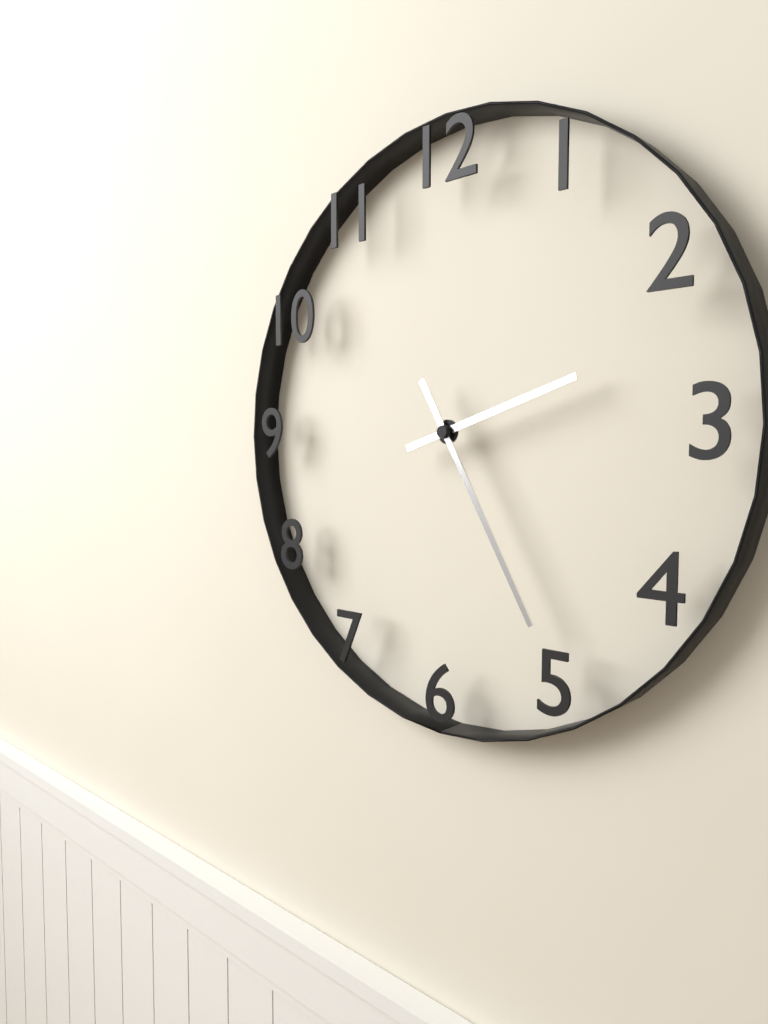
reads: 2,25
